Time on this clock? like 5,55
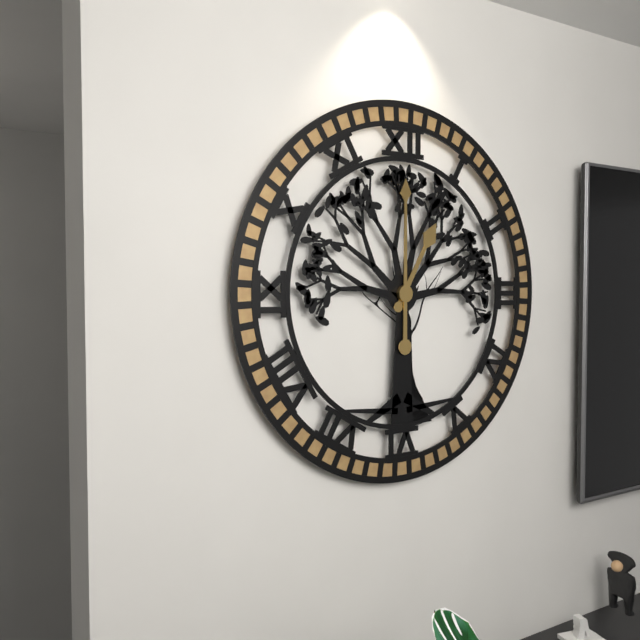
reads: 1,00
